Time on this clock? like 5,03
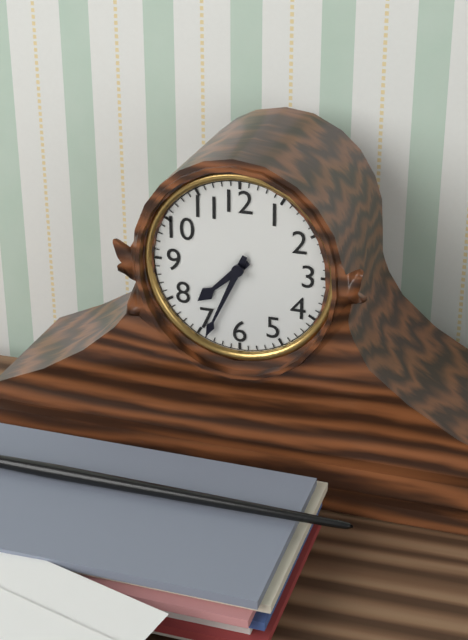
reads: 7,34
